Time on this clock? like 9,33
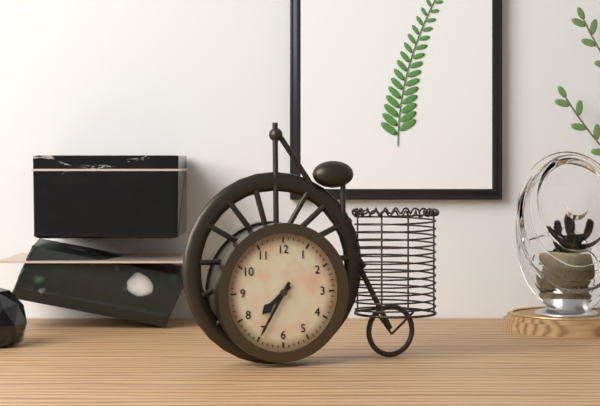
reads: 7,35
